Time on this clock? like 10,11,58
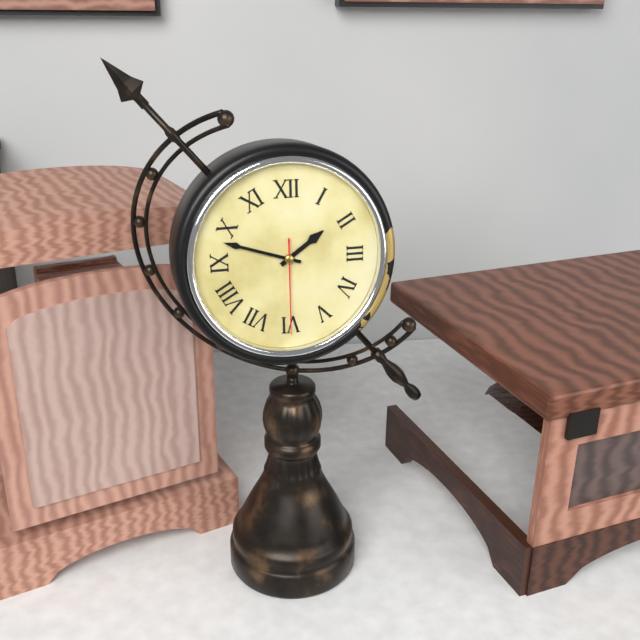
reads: 1,48,30
